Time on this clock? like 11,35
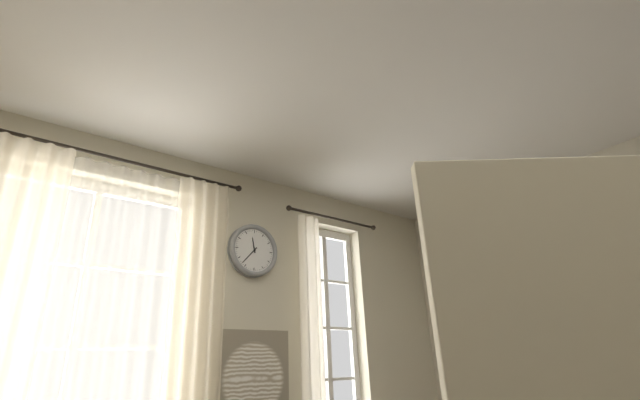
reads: 11,37
